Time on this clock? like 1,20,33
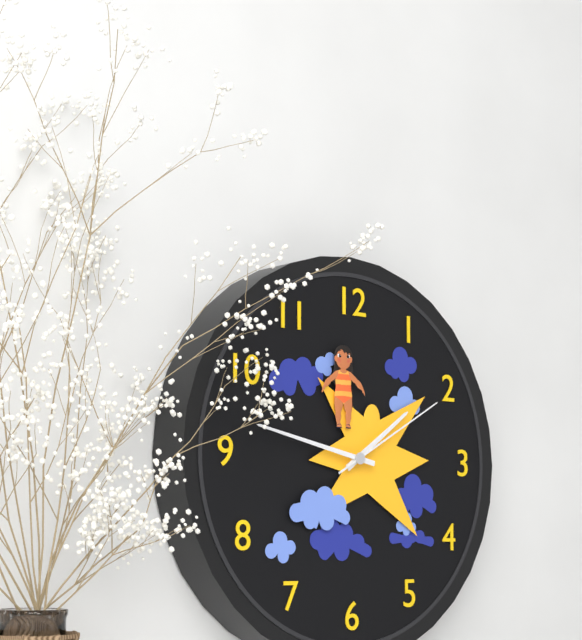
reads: 1,47,10
